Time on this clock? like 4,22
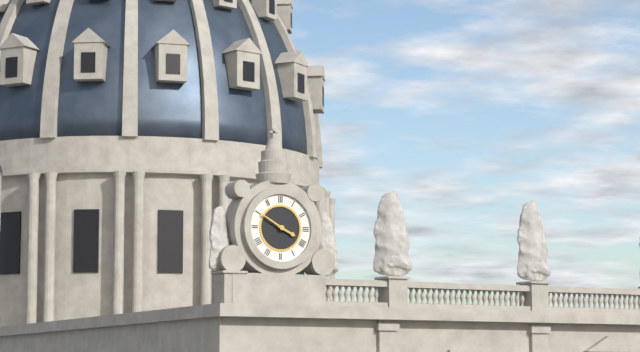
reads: 3,50
